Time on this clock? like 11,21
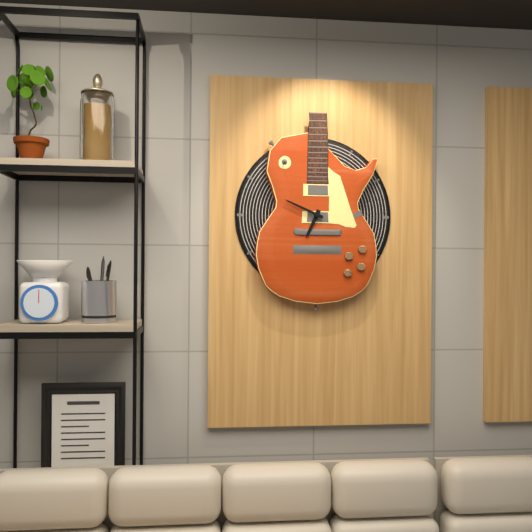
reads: 6,49
